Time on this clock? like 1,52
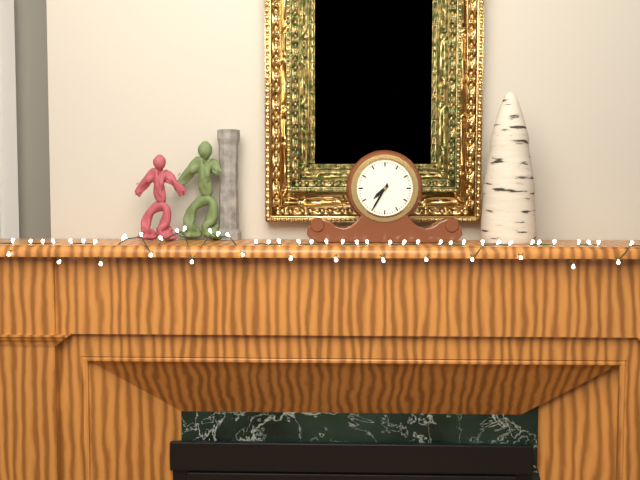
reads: 7,35
